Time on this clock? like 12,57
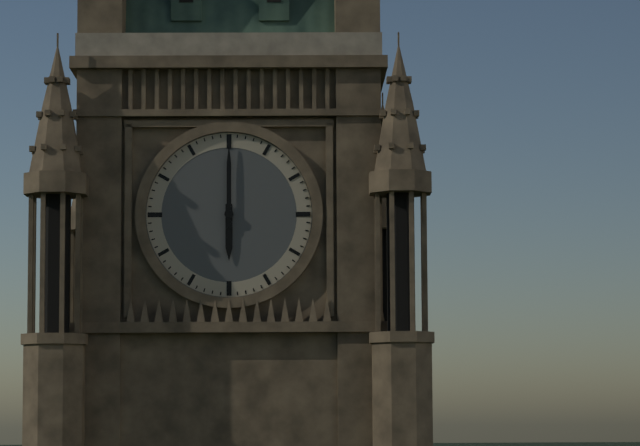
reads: 6,00
